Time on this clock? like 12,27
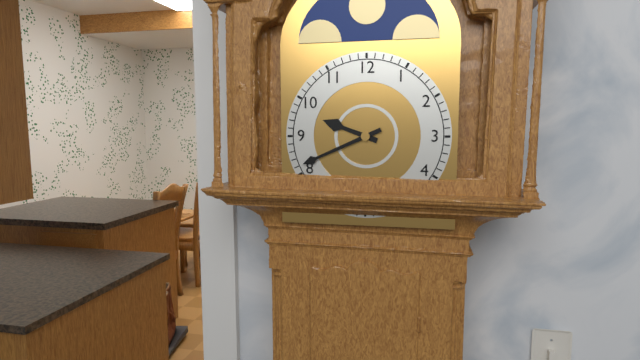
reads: 9,41
